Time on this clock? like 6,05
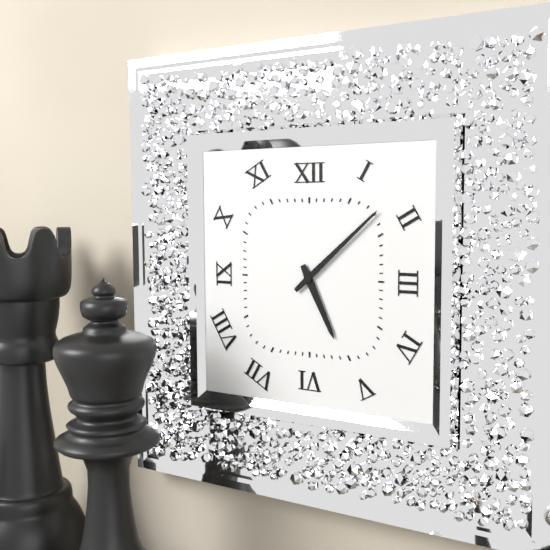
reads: 5,08
